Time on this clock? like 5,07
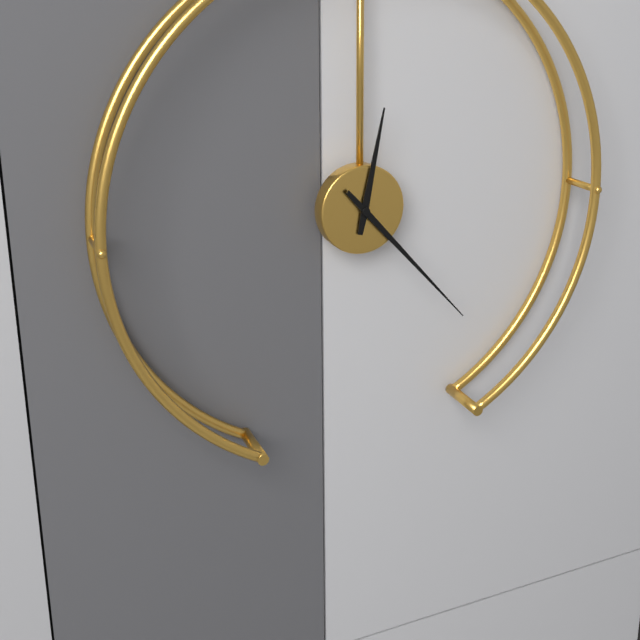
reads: 12,23
